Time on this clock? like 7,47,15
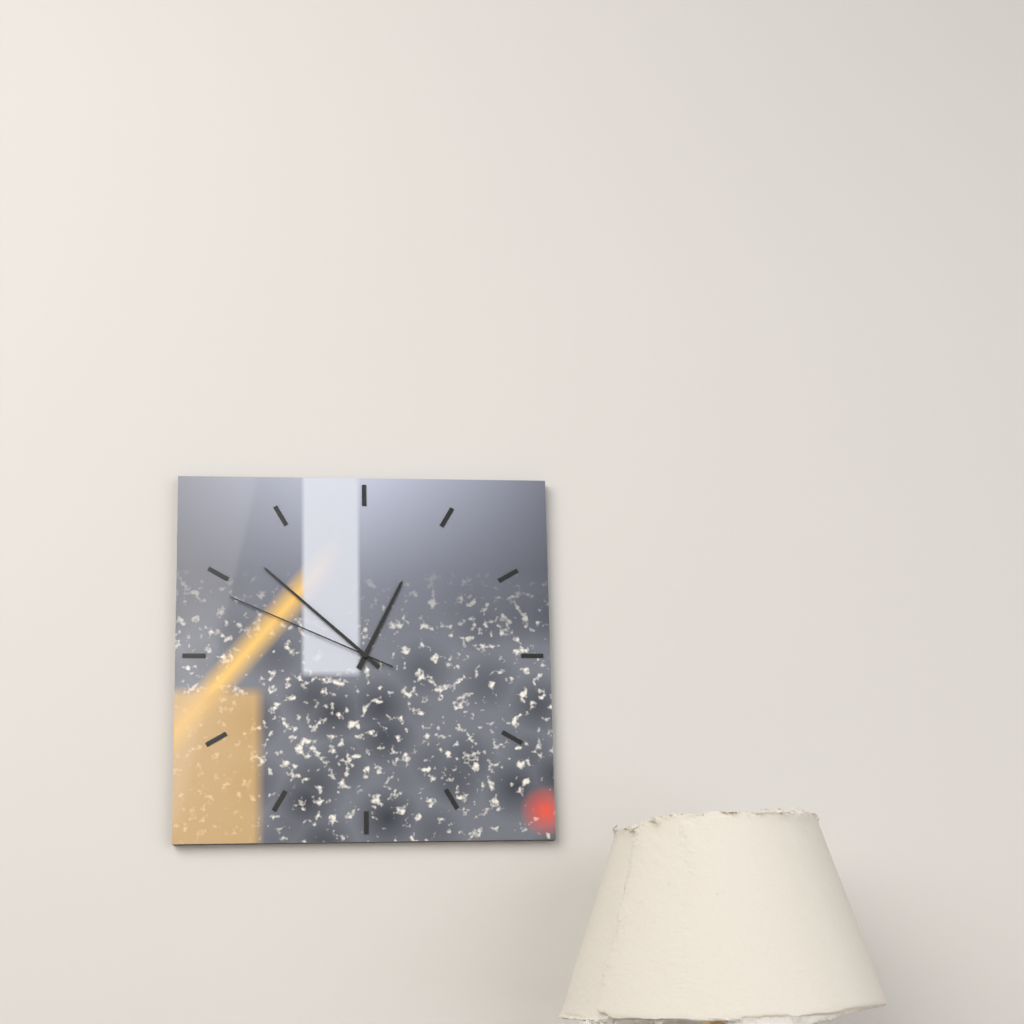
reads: 12,52,49
